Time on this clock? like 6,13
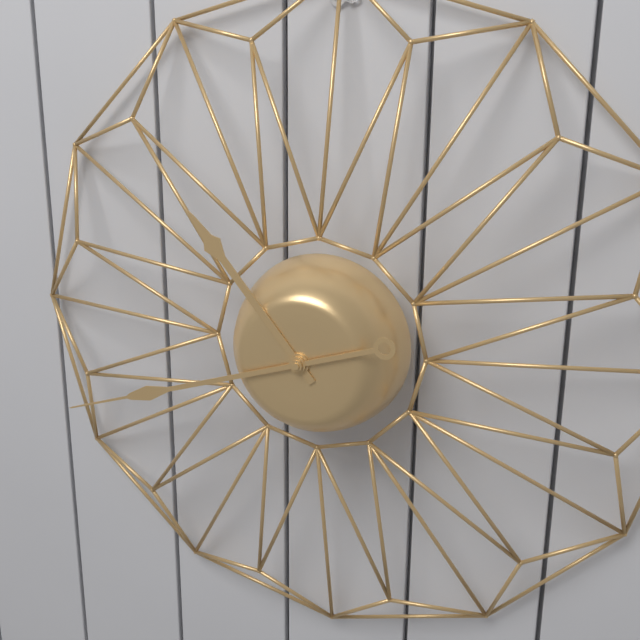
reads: 10,42
